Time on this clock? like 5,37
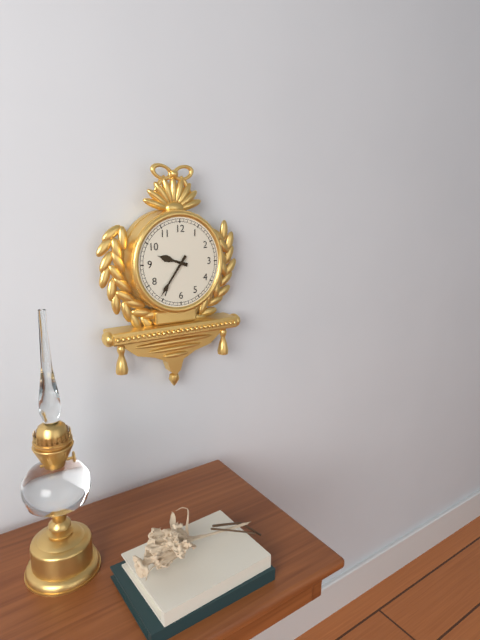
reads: 9,36
